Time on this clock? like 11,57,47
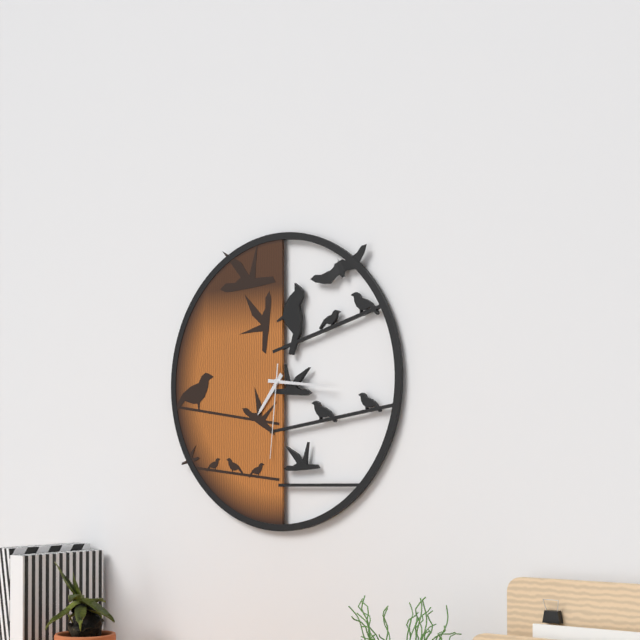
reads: 7,16,31
